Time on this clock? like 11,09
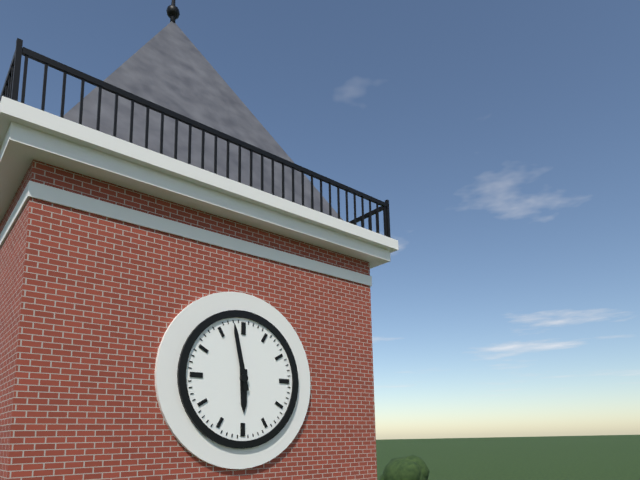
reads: 5,58
